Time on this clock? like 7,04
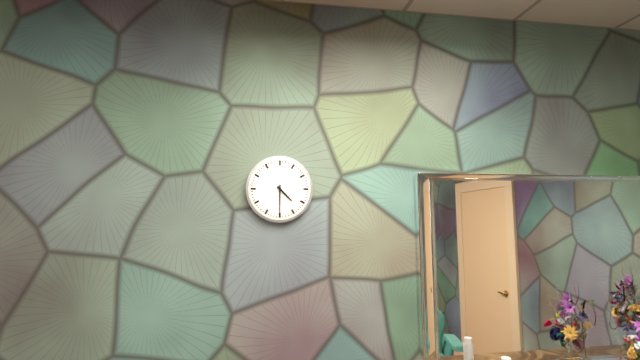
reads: 4,30
